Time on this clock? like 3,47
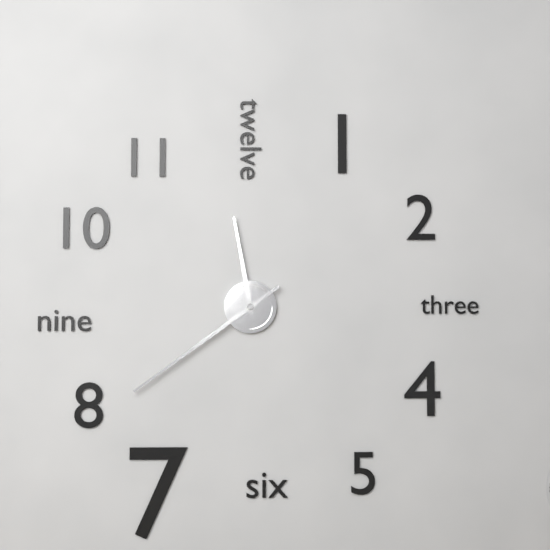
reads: 11,39
